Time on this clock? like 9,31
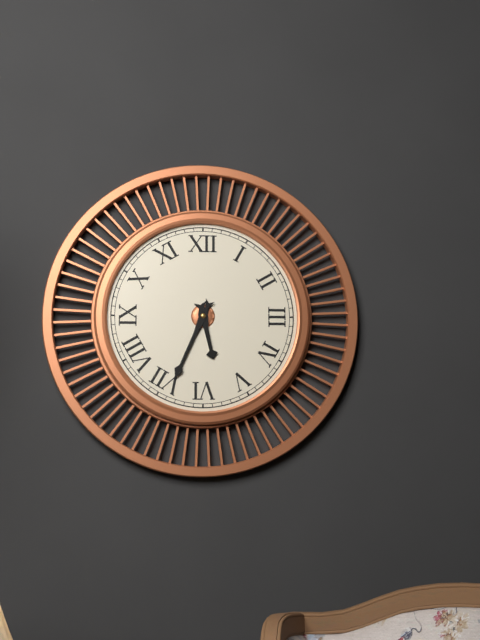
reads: 5,34
